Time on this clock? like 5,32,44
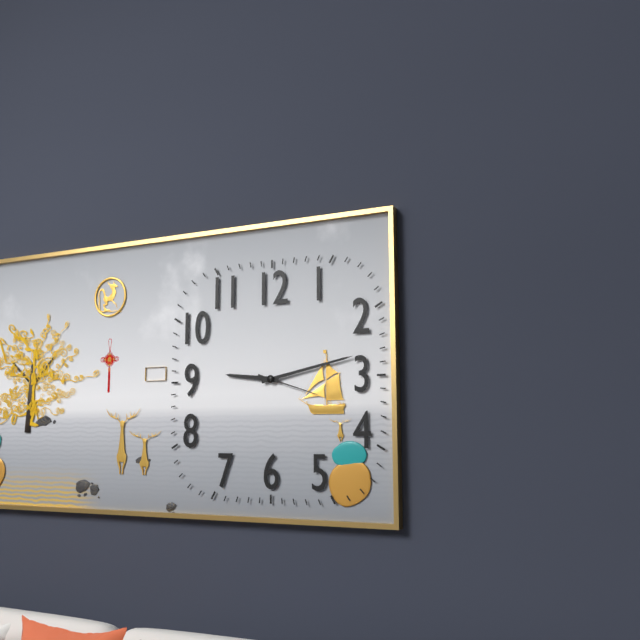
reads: 9,13,18
